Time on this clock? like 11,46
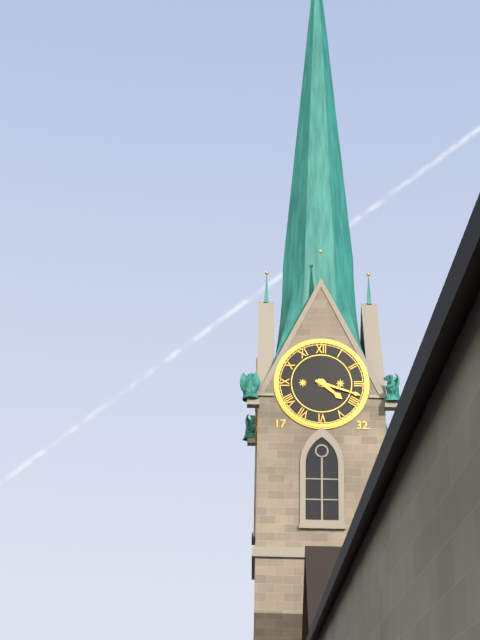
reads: 4,18
